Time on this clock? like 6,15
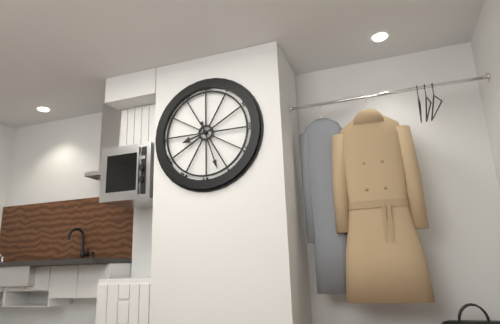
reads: 8,27
